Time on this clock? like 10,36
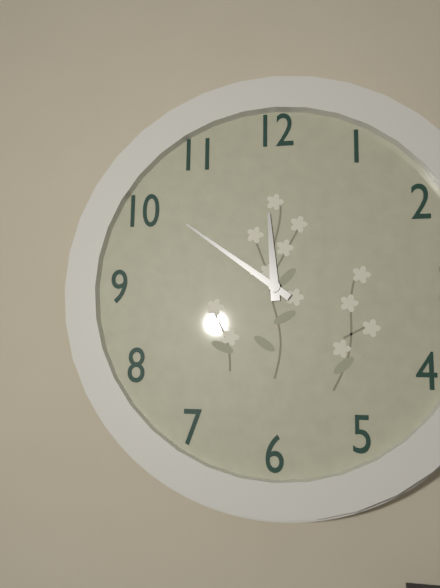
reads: 11,51
